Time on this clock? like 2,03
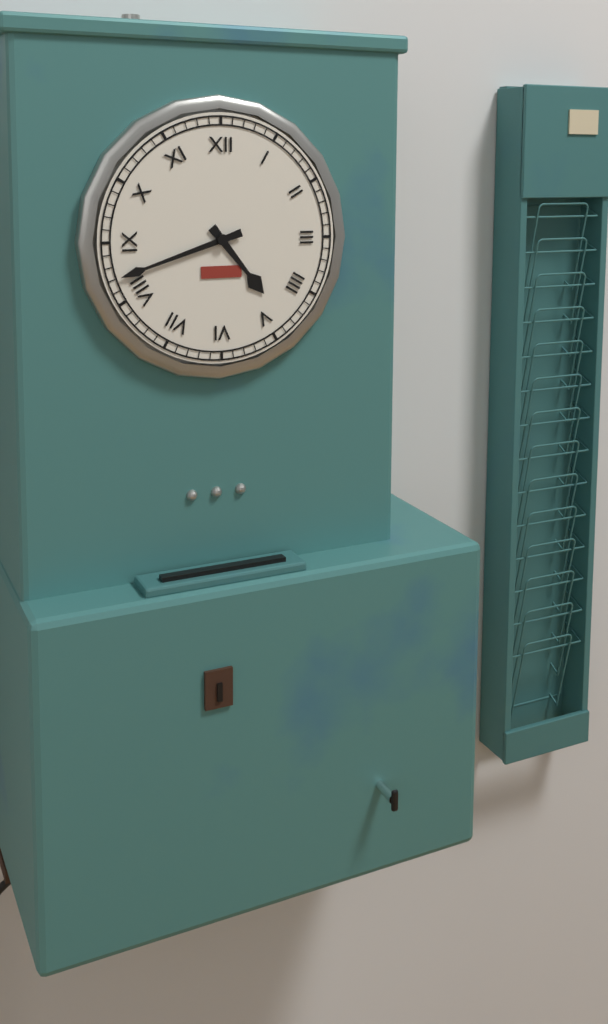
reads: 4,42
